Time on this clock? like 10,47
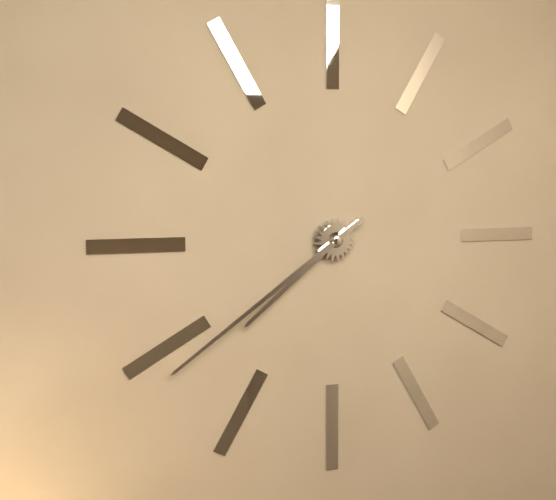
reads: 7,39
